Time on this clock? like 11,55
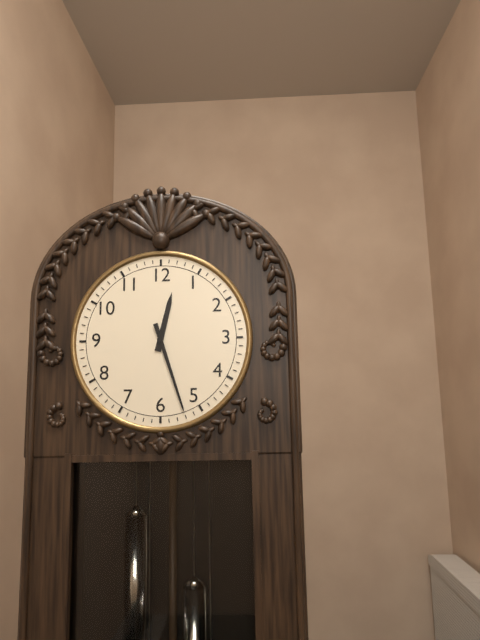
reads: 12,27
